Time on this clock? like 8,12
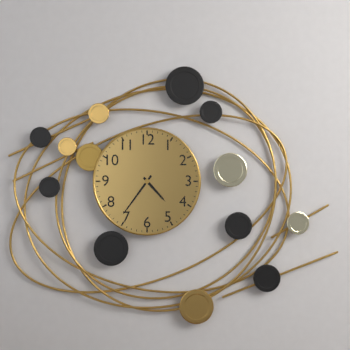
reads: 4,36
